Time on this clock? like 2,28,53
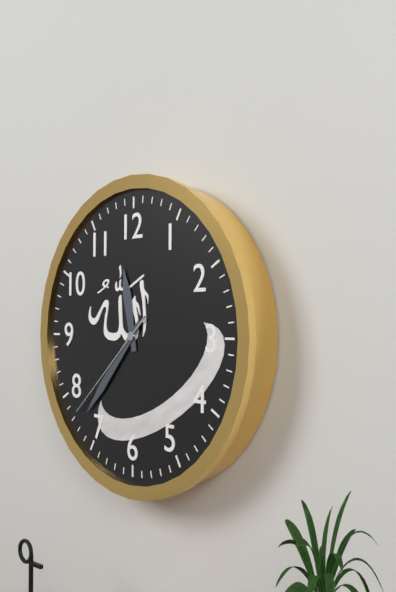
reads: 11,37,38
